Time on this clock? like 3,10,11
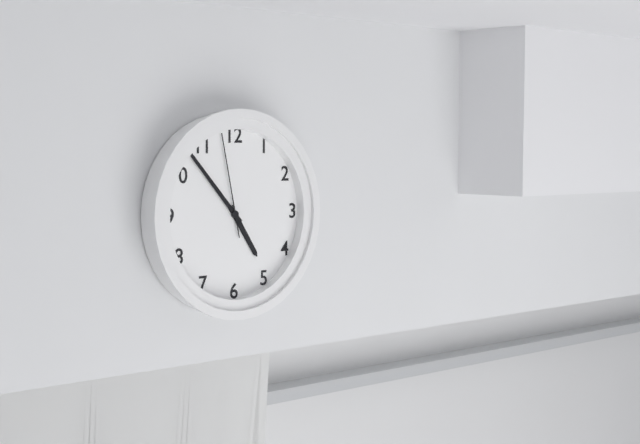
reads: 4,53,58
